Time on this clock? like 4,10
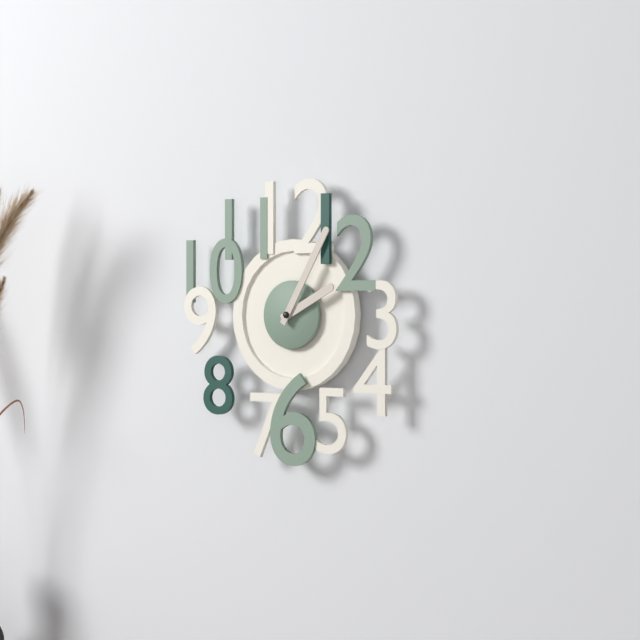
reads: 2,05
